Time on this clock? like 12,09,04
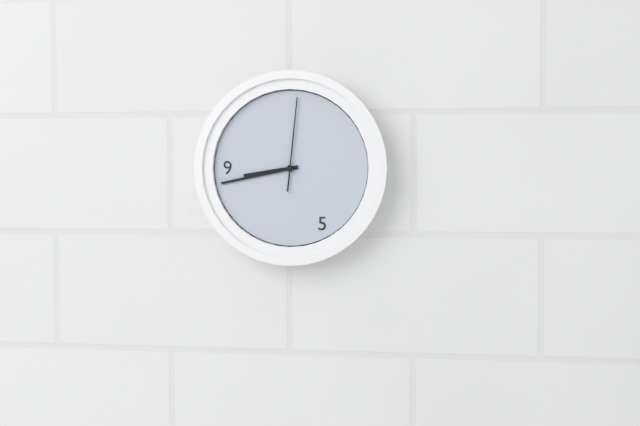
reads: 8,43,01
